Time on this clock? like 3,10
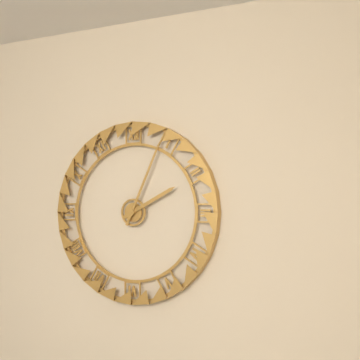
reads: 2,04
